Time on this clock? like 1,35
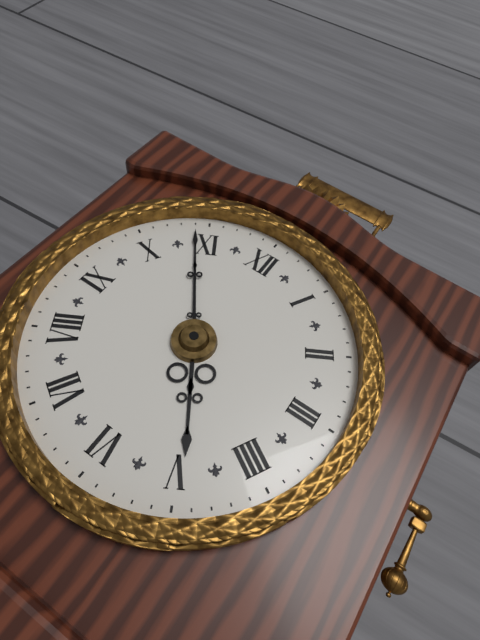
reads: 4,54
